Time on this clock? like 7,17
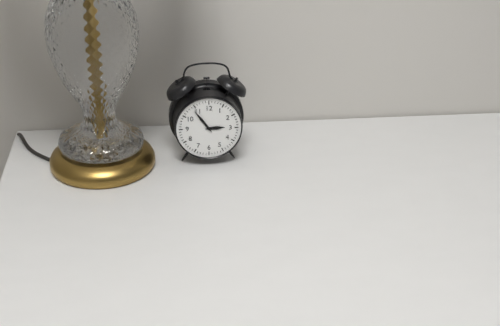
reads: 2,54
